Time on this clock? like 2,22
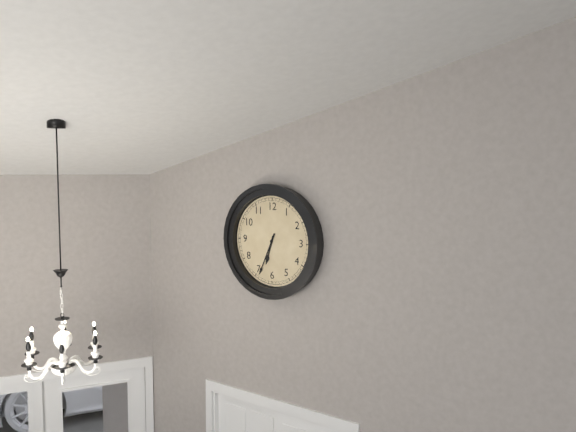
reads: 6,34
